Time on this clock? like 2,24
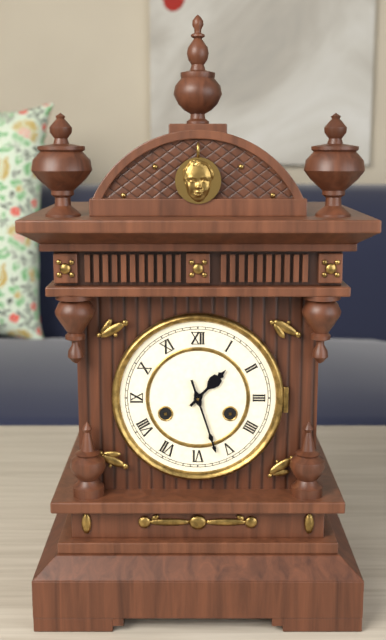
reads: 1,27
